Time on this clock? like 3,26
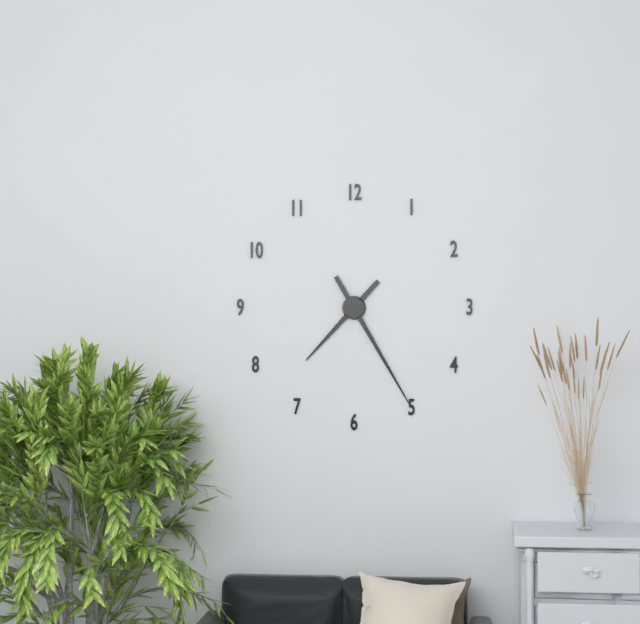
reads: 7,25
